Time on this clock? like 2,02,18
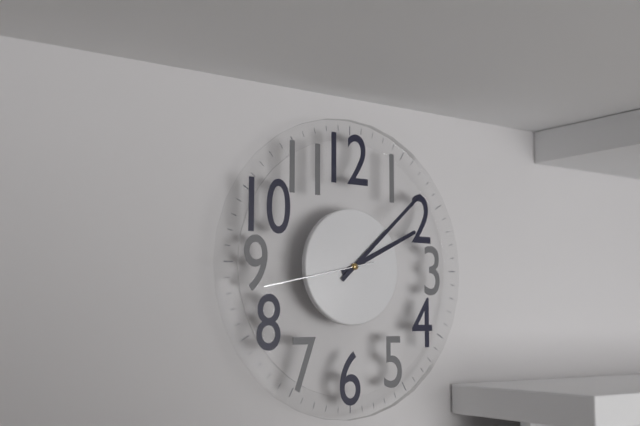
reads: 2,08,43
